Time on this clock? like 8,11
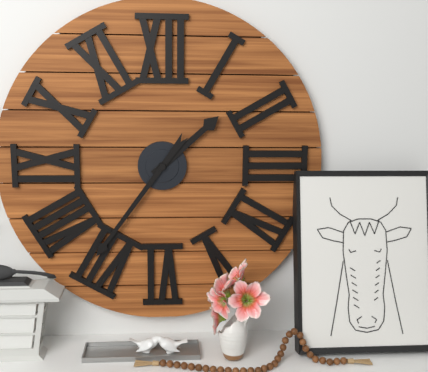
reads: 1,36
